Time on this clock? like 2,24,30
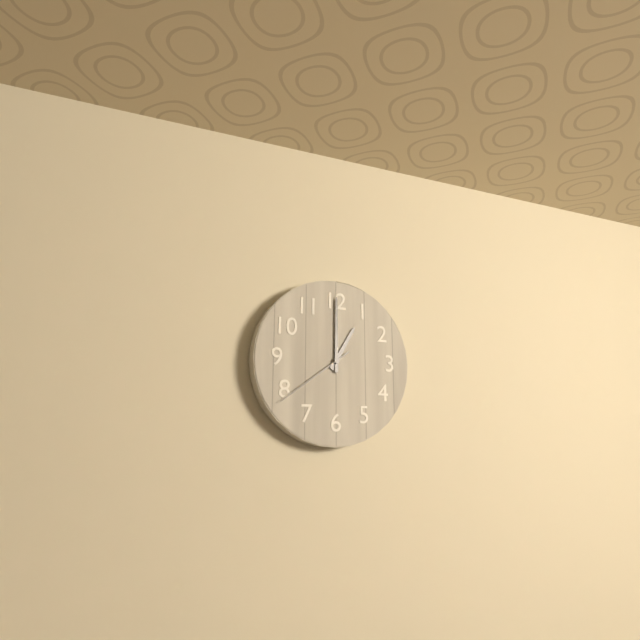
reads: 1,00,39
